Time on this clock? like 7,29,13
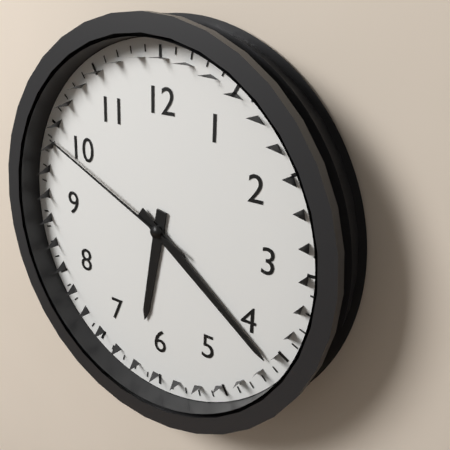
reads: 6,21,49
